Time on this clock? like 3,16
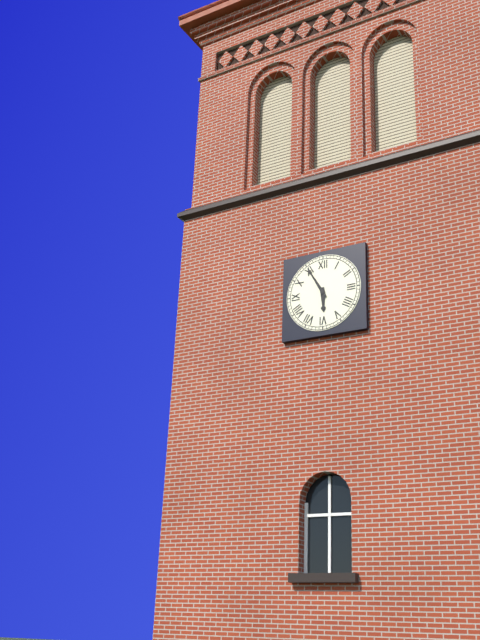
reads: 5,55
